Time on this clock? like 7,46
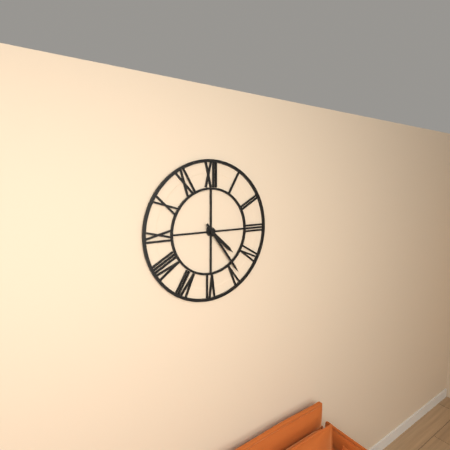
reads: 4,24
